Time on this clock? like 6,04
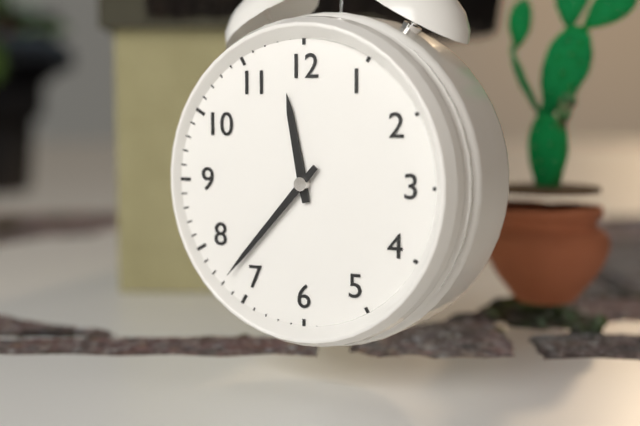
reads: 11,37
